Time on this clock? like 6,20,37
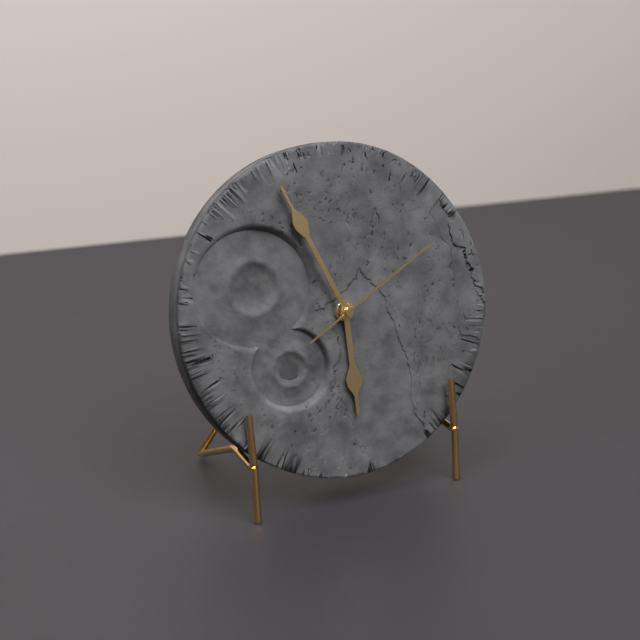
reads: 5,56,10
